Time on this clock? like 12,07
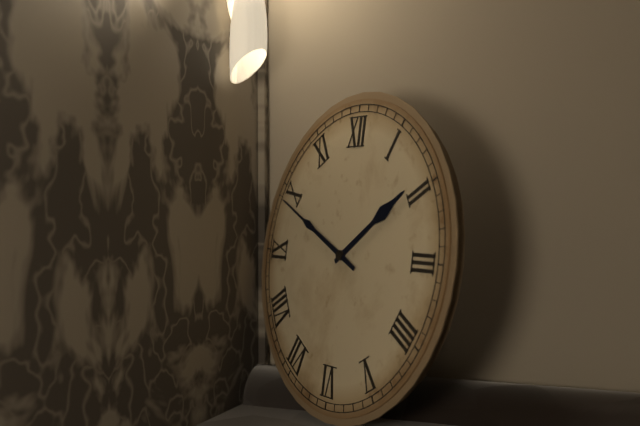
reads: 1,49
